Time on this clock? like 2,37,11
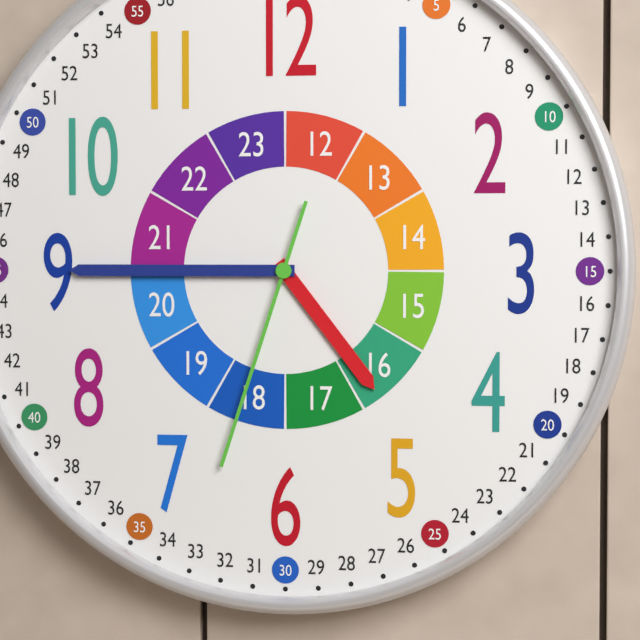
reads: 4,45,33
